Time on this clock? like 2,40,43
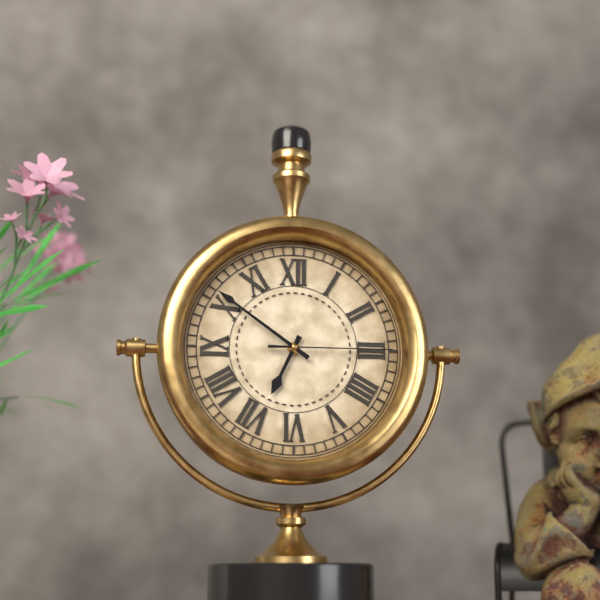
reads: 6,51,15
